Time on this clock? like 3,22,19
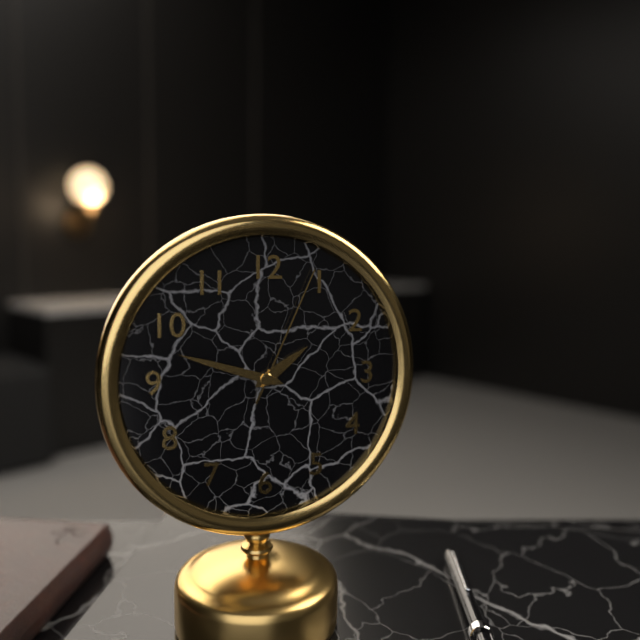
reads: 1,48,04
